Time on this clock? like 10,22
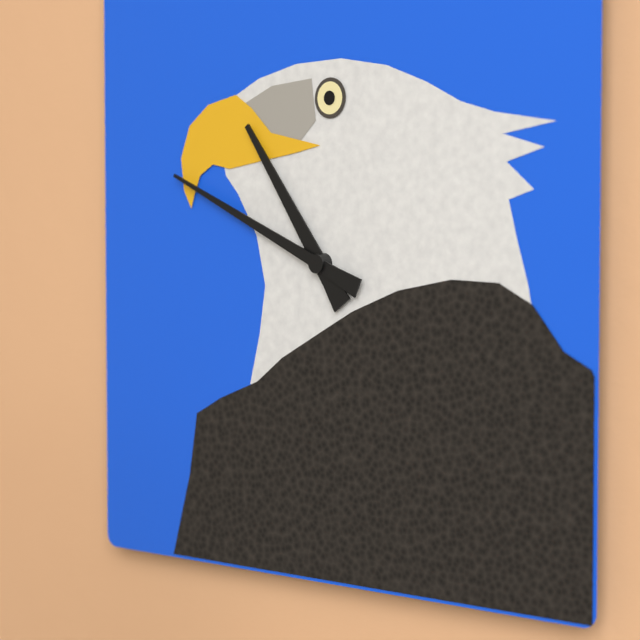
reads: 10,49
